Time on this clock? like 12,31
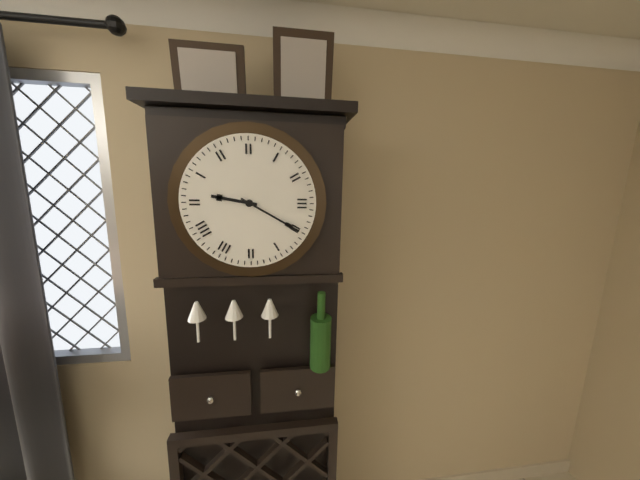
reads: 9,20
